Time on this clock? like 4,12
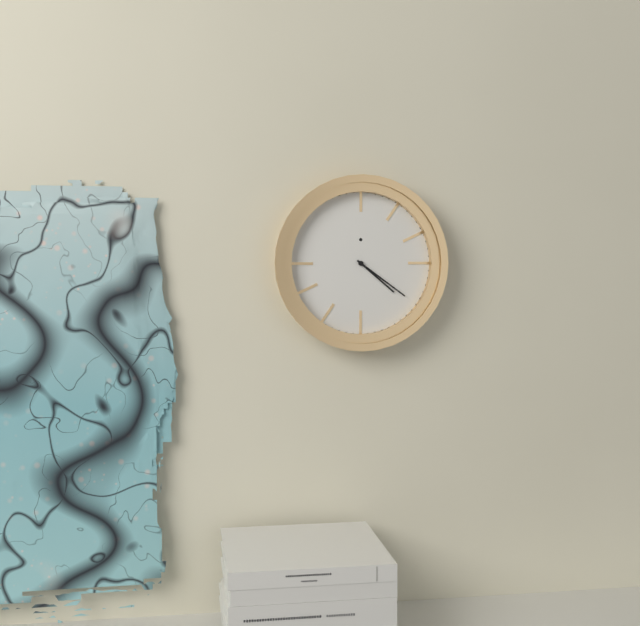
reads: 4,21
